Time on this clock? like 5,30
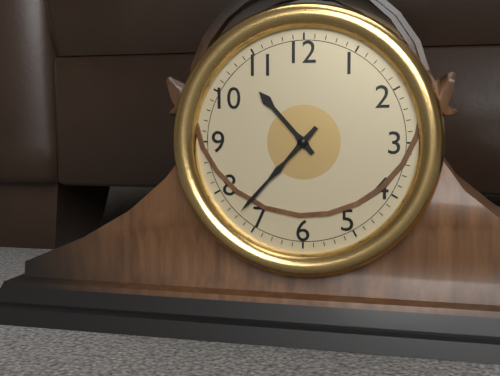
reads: 10,37
